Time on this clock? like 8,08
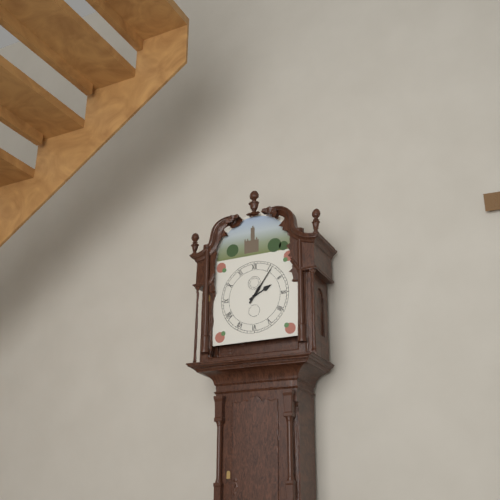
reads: 2,06
